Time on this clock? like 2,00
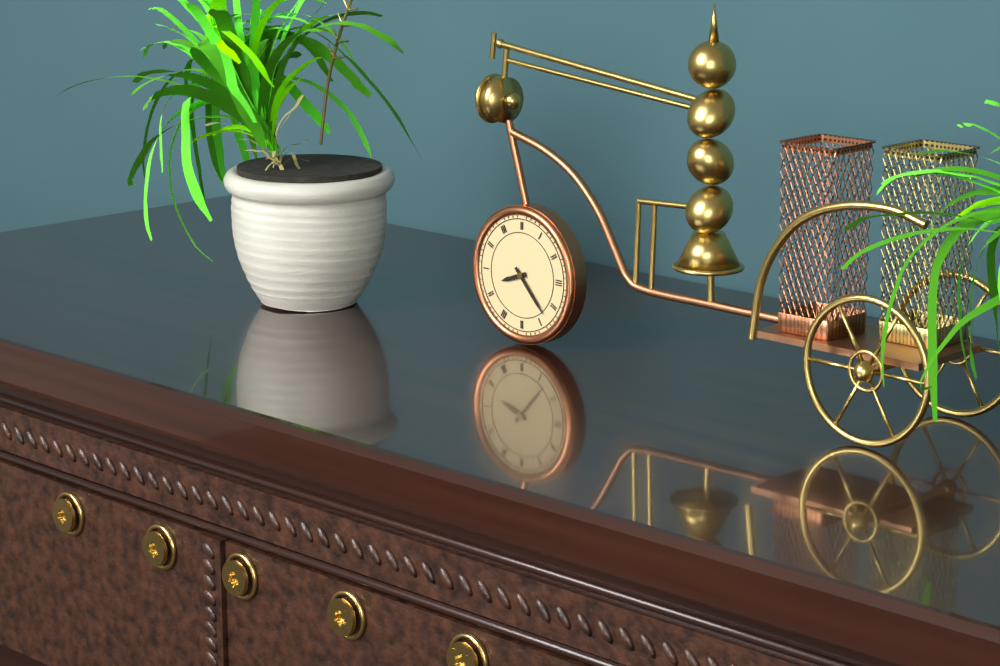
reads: 8,23
